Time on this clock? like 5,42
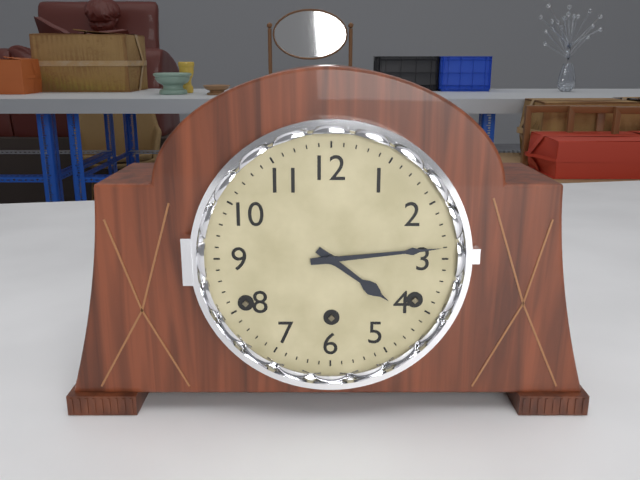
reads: 4,14
